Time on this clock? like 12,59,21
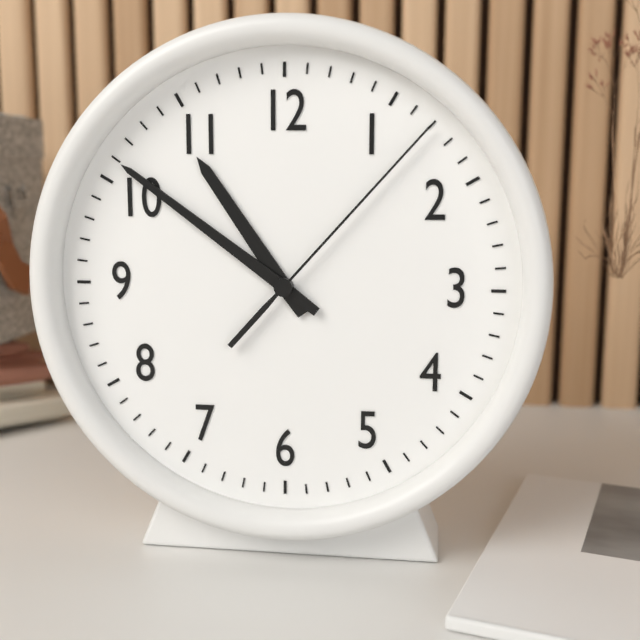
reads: 10,51,07
